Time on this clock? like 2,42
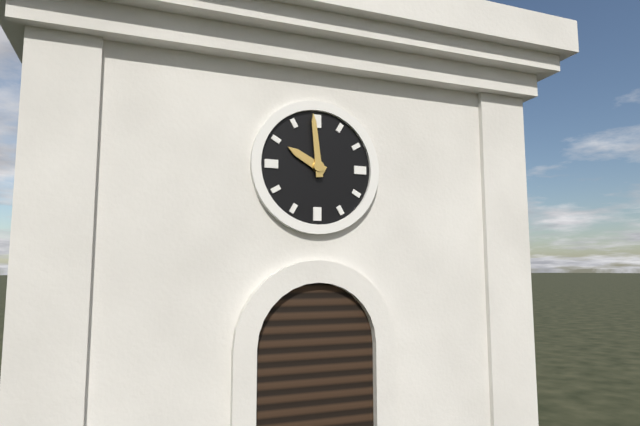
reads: 9,59
